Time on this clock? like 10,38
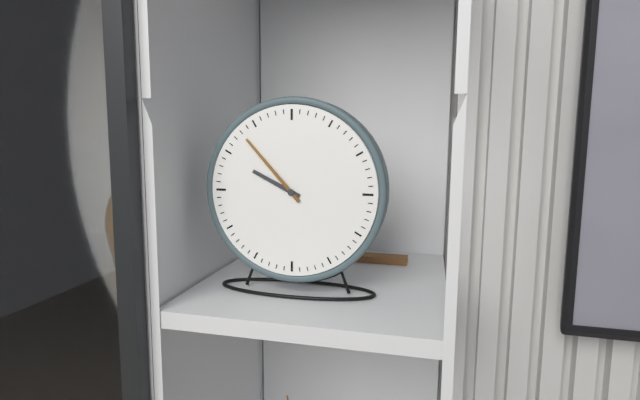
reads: 9,53
